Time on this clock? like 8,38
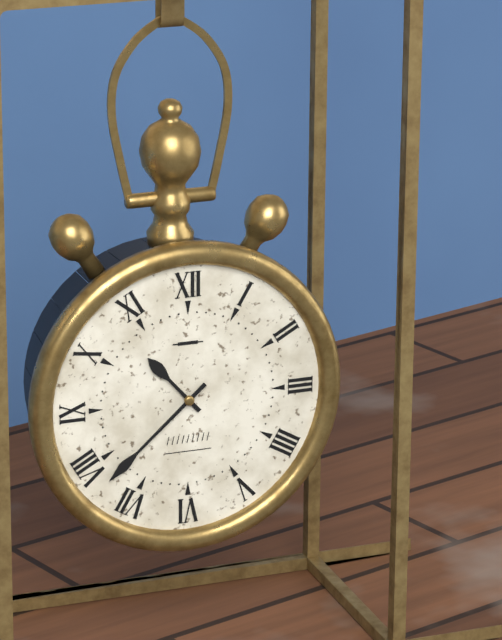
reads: 10,38
